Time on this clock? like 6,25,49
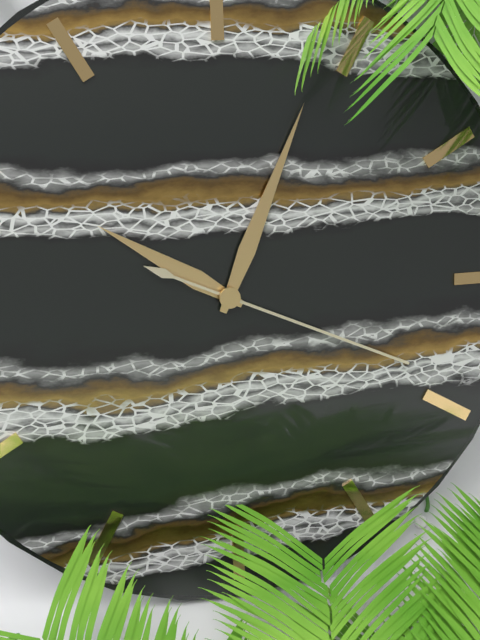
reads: 10,04,19
